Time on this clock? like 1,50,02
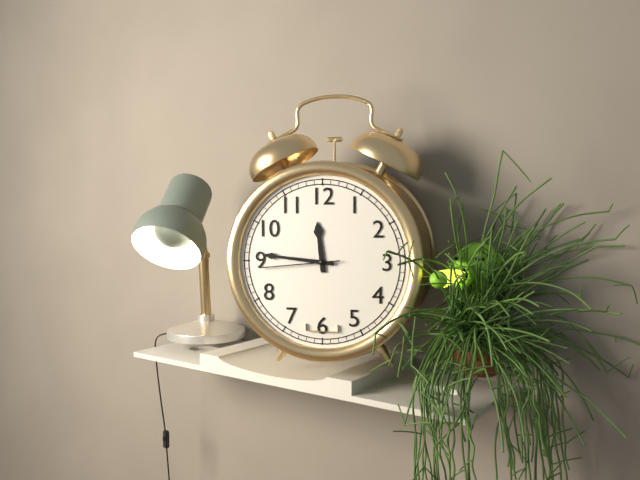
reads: 11,46,44
